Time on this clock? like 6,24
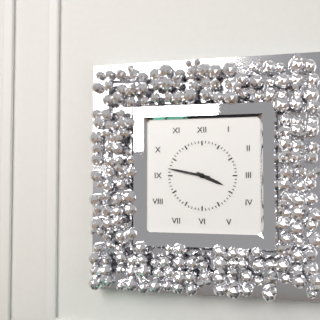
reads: 3,47
